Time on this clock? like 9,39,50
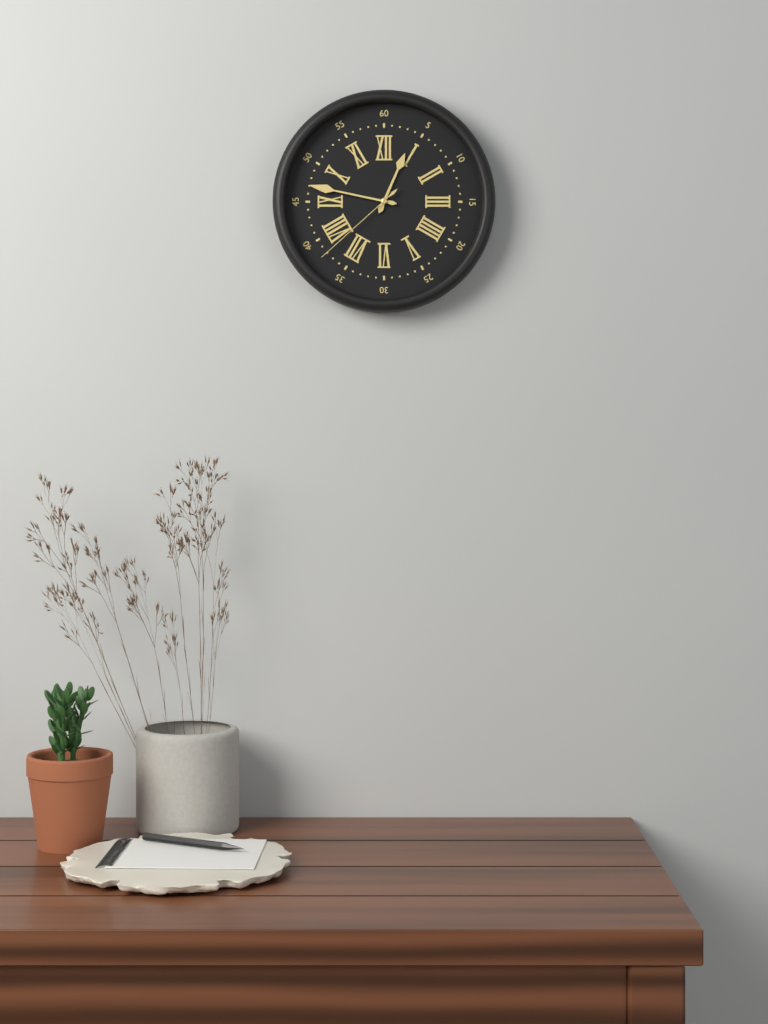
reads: 12,47,38
